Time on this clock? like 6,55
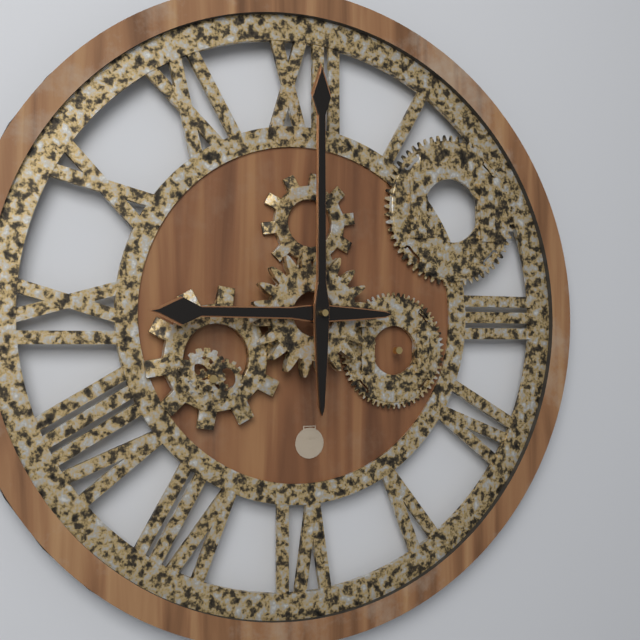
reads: 9,00
